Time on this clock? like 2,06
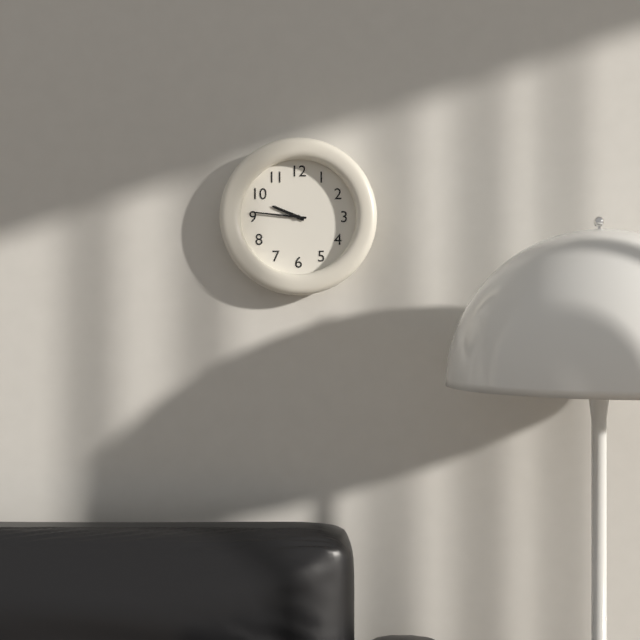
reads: 9,46
